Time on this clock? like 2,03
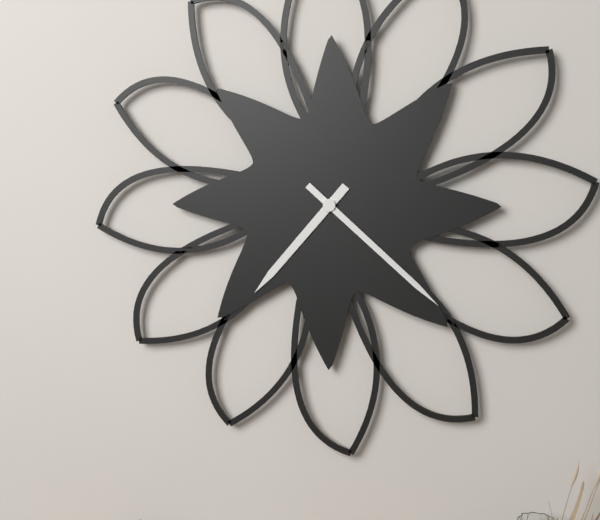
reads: 7,22
